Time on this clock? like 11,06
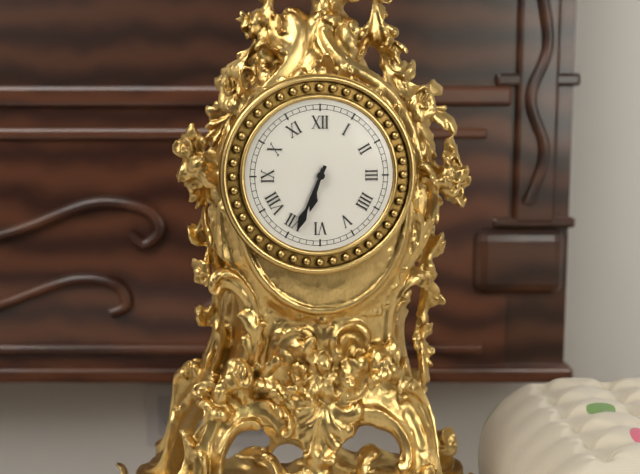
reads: 6,34
